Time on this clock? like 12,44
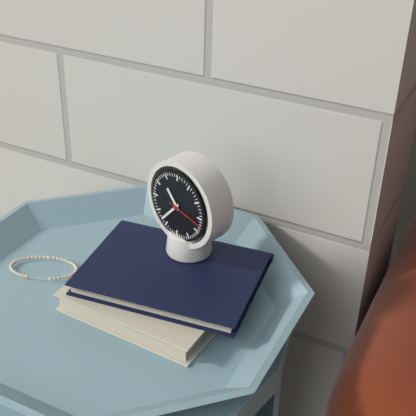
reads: 10,37
